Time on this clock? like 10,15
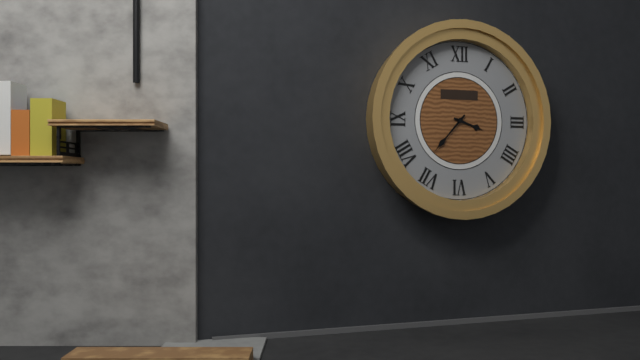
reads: 3,37
